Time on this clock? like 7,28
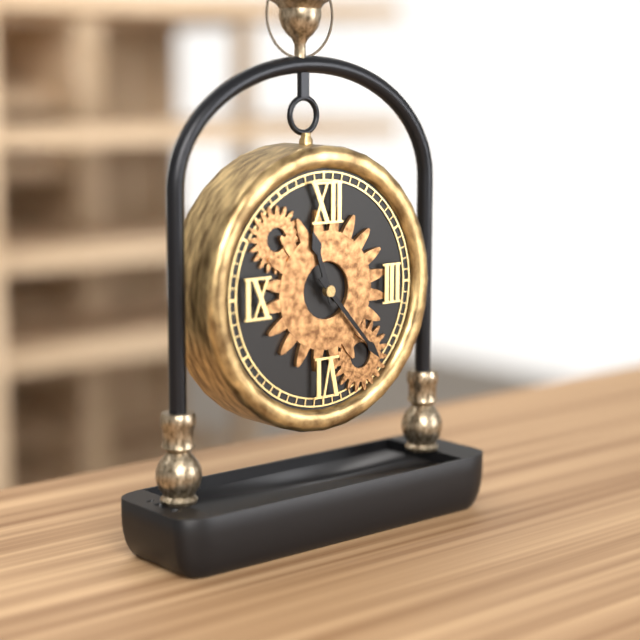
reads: 11,23
